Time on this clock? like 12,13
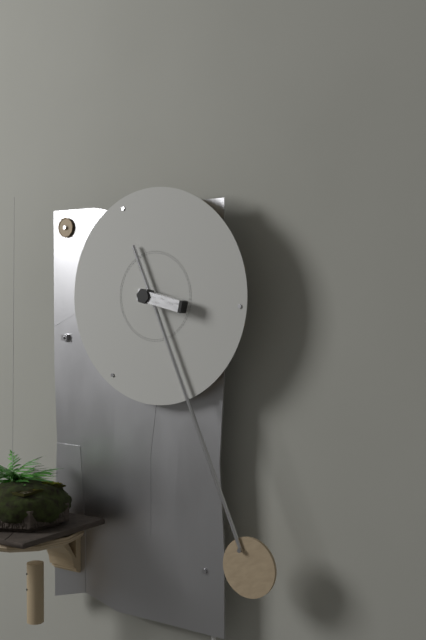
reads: 3,26
